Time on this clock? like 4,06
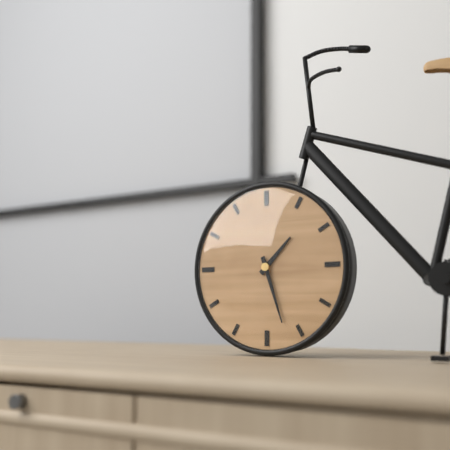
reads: 1,27
